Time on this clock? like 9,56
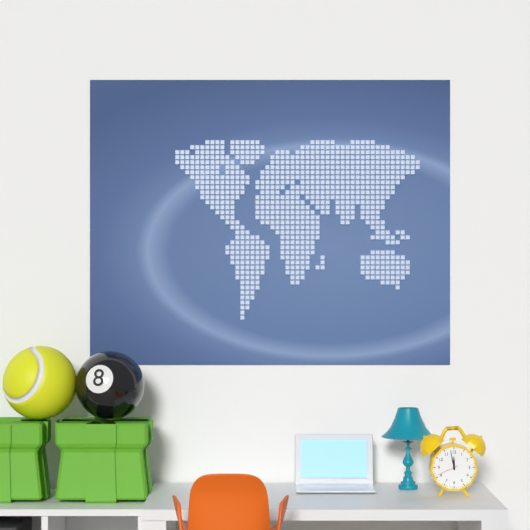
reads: 11,58
